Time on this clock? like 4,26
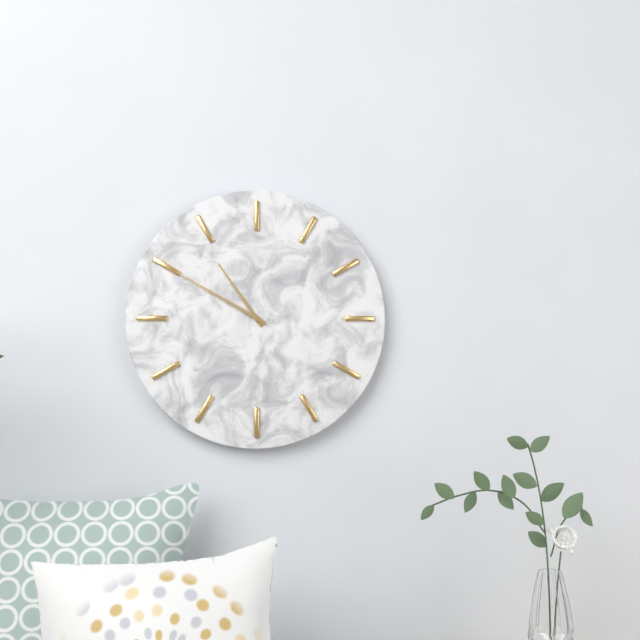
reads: 10,50
